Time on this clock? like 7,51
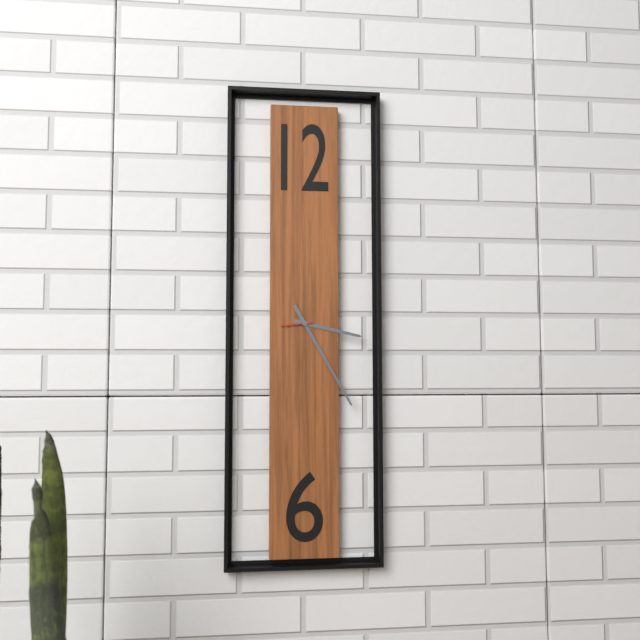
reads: 3,25
